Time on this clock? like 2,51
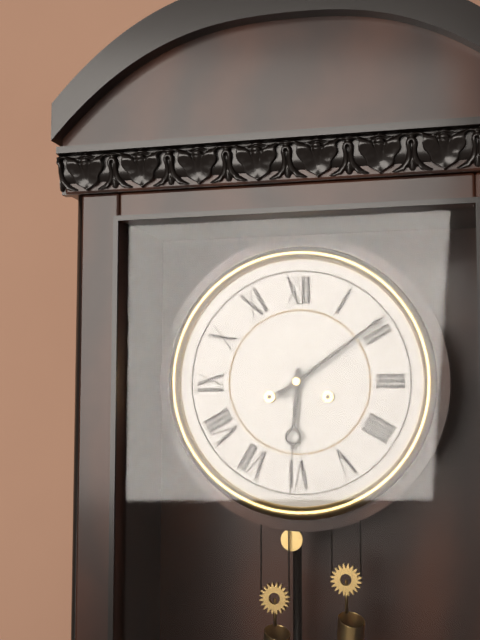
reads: 6,09
